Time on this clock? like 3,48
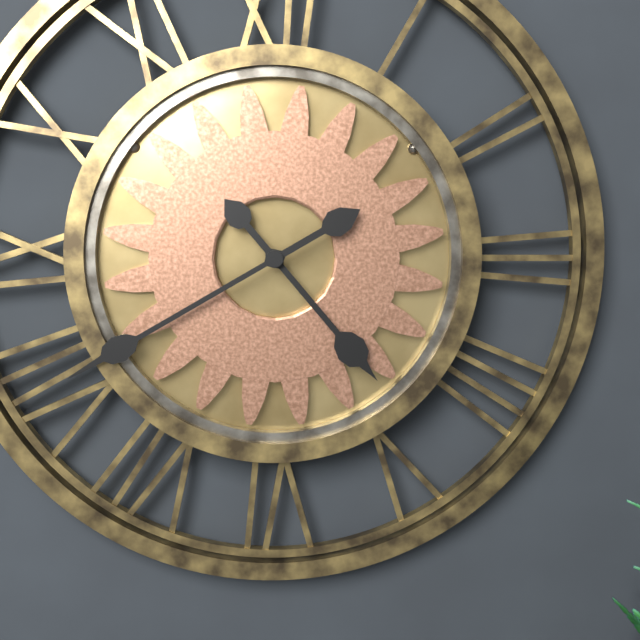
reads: 4,40
